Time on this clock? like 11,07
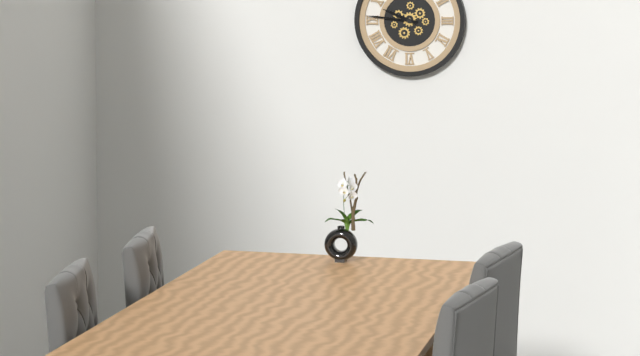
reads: 9,46
